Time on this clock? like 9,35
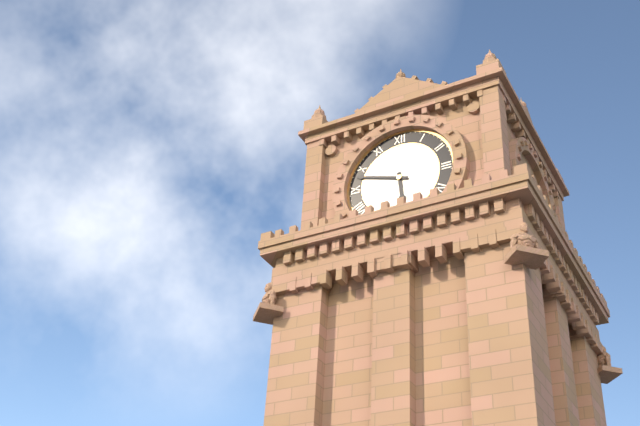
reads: 5,48
